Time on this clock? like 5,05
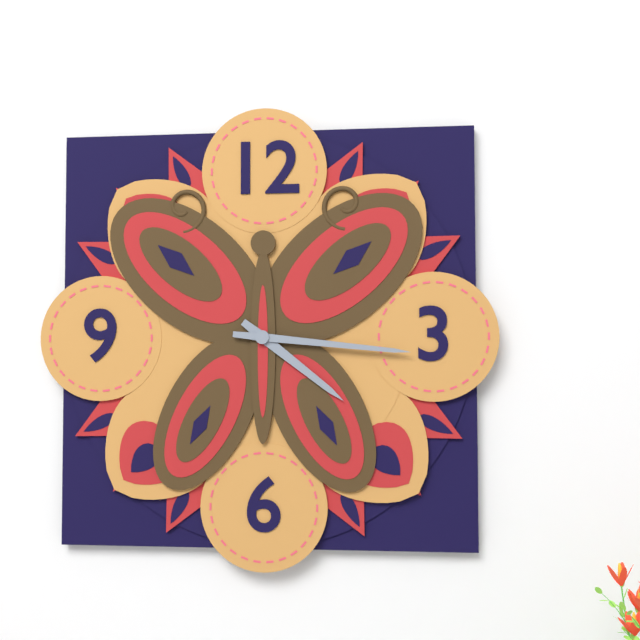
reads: 4,16
